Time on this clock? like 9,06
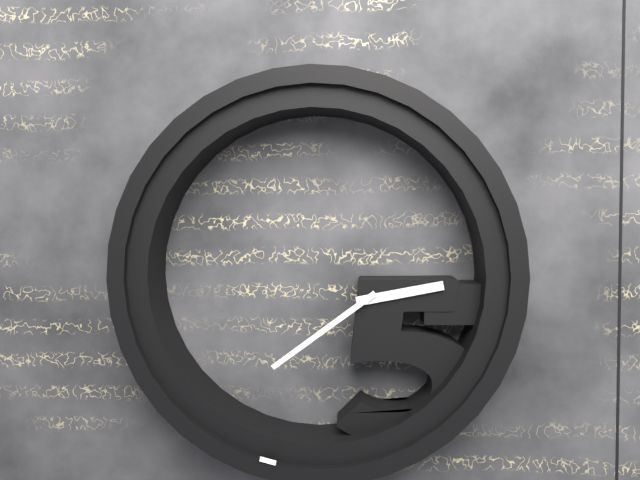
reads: 2,39
